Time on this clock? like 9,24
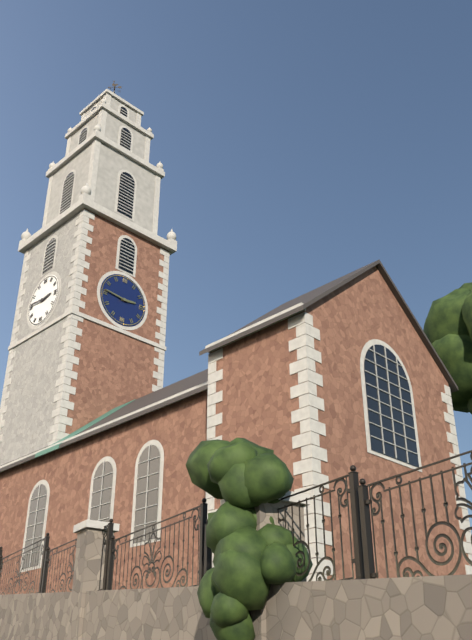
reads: 2,46
